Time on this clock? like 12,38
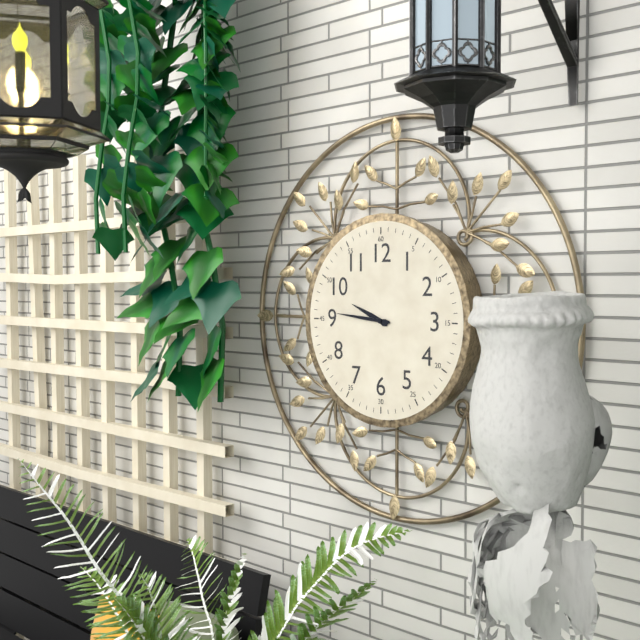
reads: 9,46
